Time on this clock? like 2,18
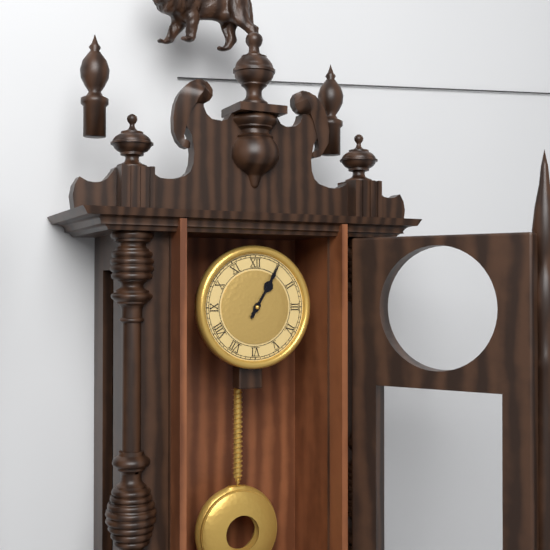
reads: 1,05
